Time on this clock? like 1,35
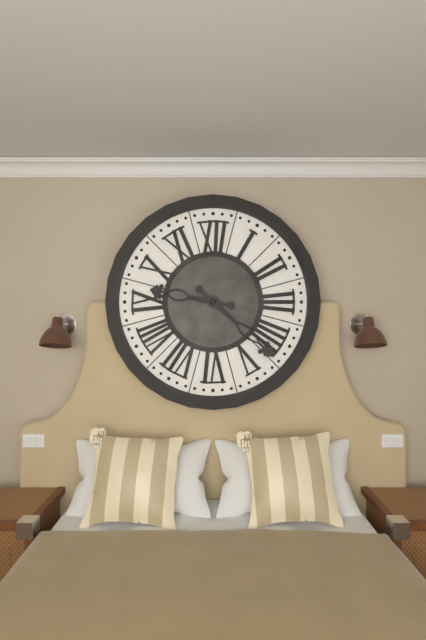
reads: 9,22
